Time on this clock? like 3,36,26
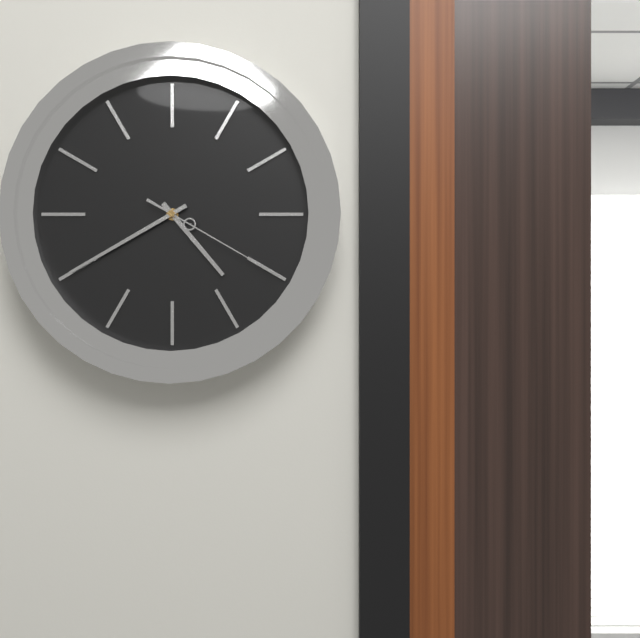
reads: 4,40,20
